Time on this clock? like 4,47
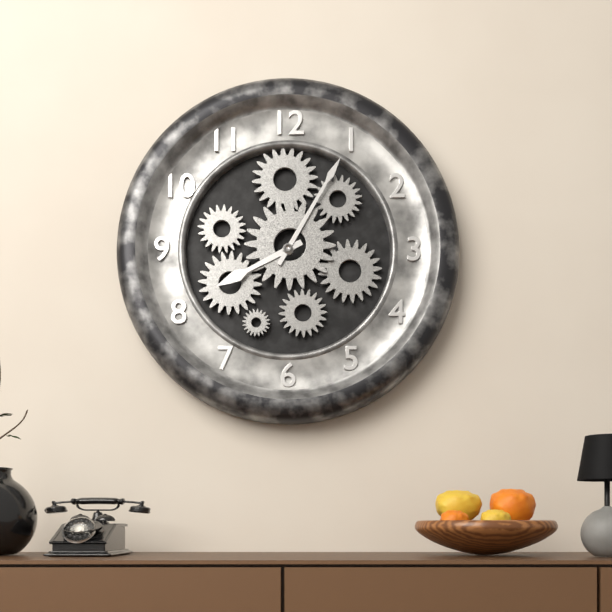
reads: 8,05
